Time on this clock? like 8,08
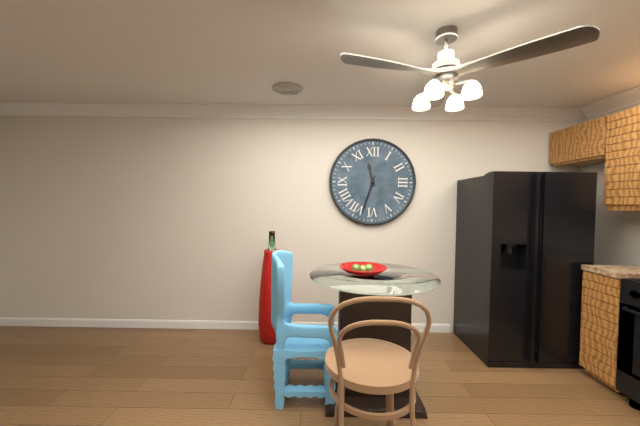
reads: 11,33
